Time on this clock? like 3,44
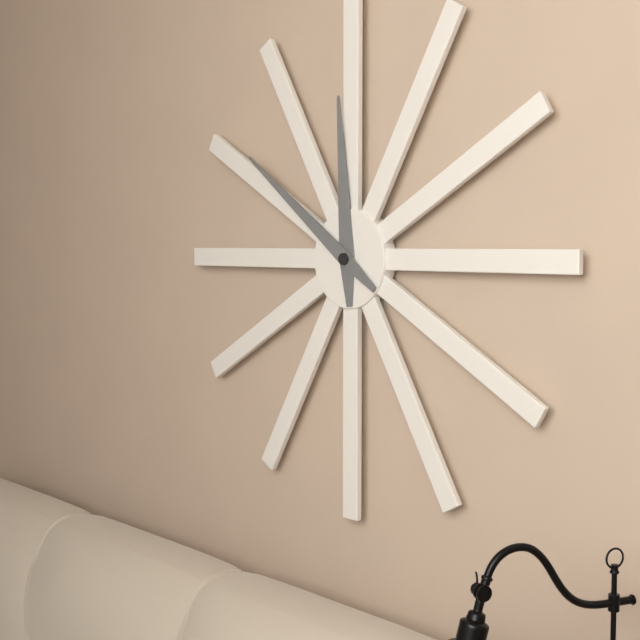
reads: 11,51
